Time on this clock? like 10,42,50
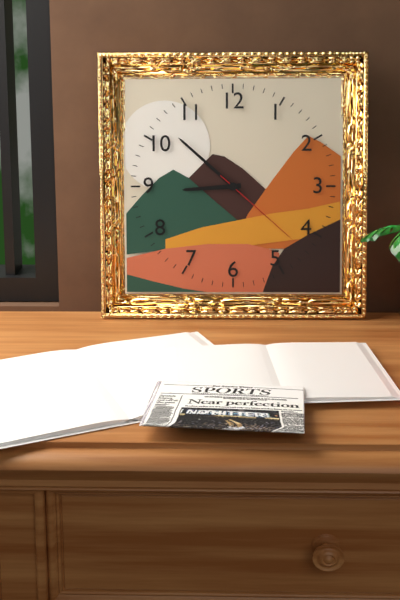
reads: 8,52,22
